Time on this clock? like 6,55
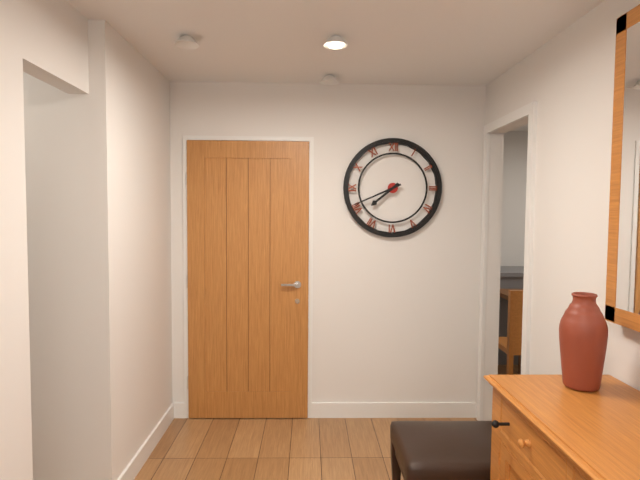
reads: 7,41
